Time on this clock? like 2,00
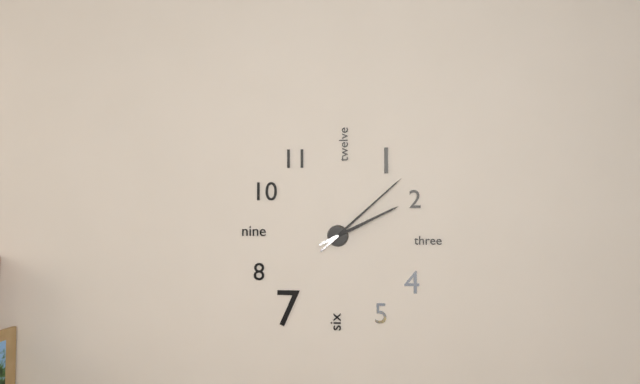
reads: 2,08
